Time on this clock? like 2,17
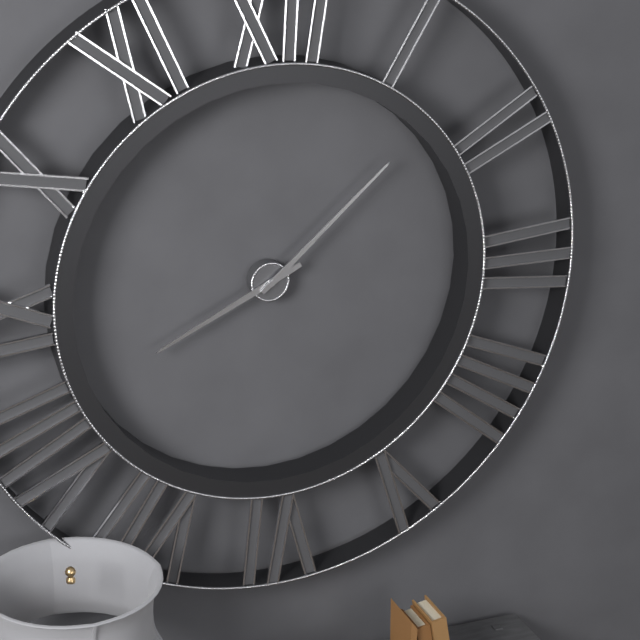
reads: 8,08
